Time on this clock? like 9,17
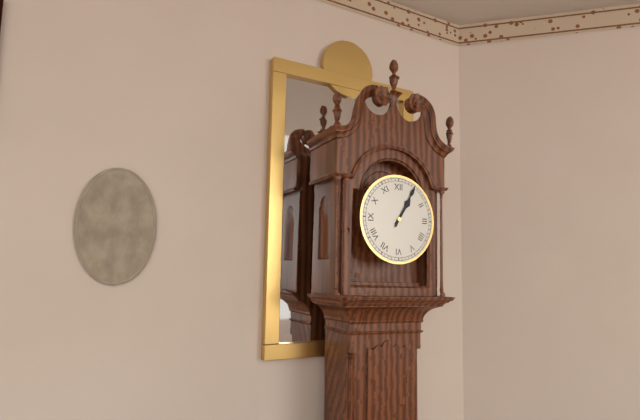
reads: 1,05
